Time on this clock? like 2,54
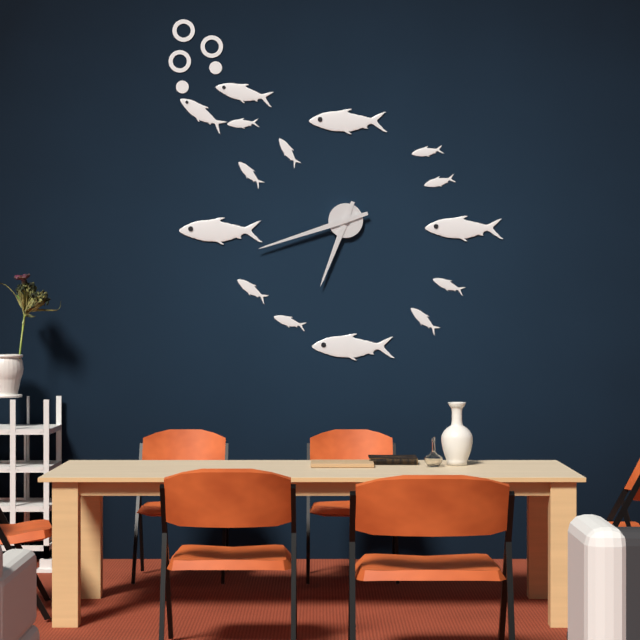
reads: 6,42
